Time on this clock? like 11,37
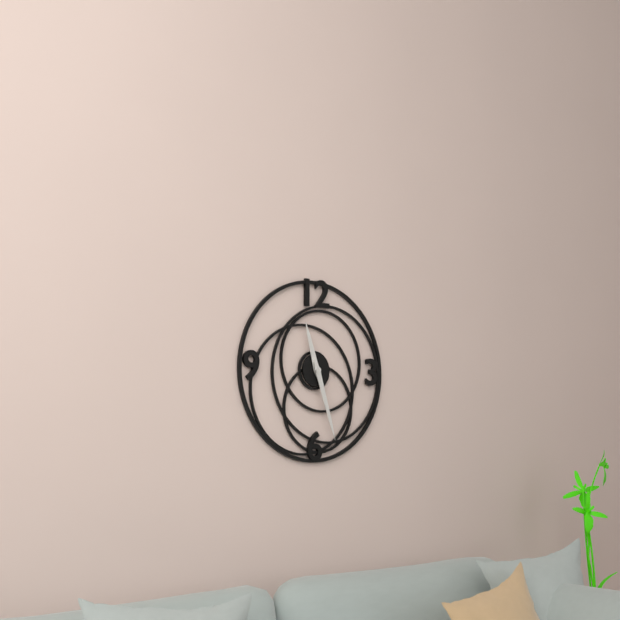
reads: 11,27
